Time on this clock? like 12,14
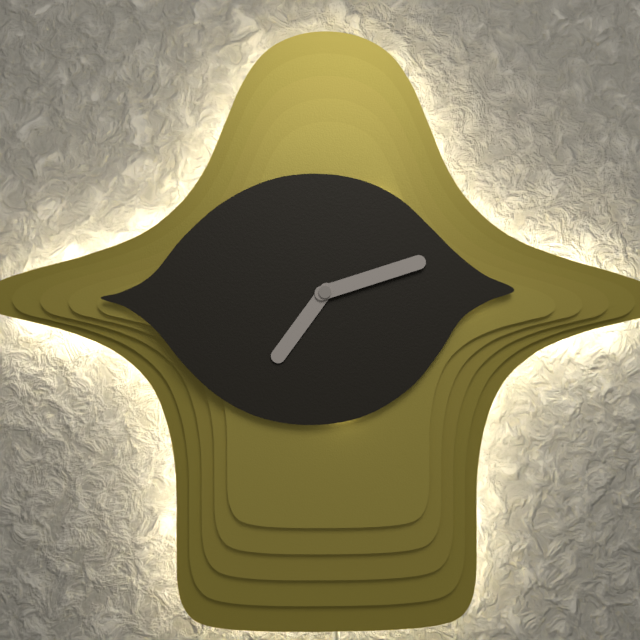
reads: 7,12
